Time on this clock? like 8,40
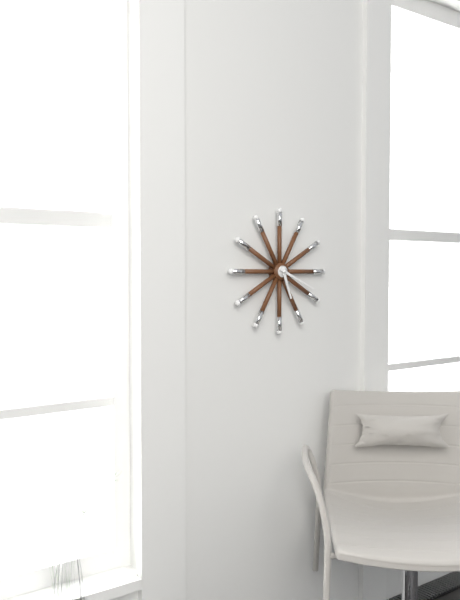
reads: 5,19
